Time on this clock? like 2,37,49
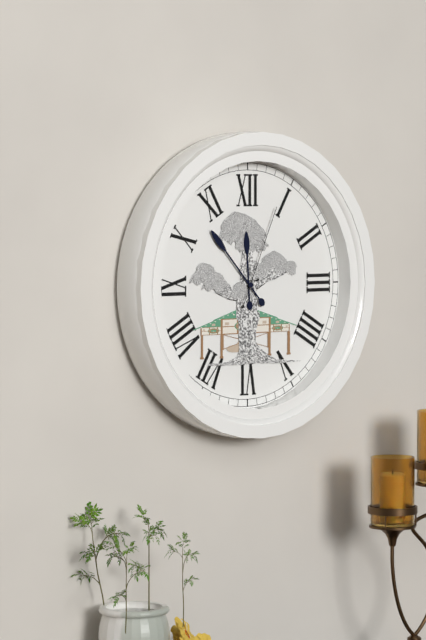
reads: 11,53,04
